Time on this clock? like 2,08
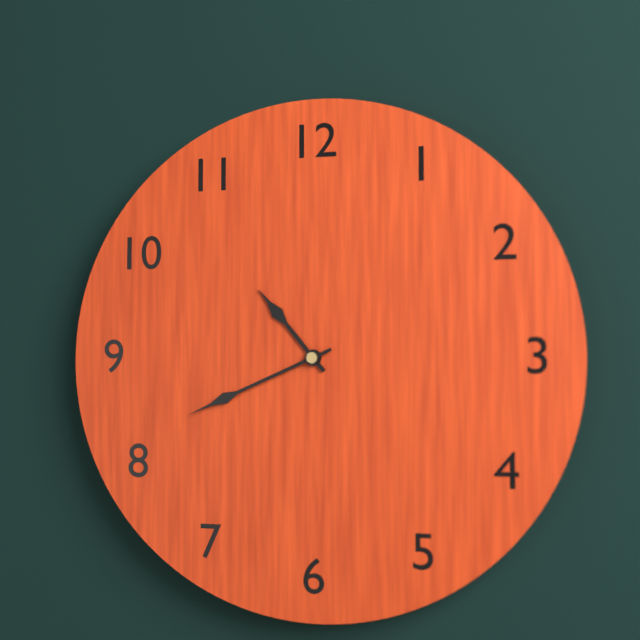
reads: 10,41
